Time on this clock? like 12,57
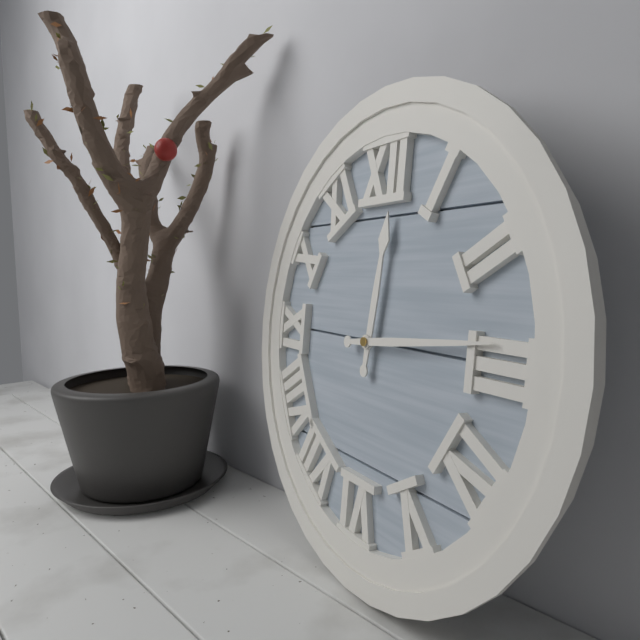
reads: 12,14
